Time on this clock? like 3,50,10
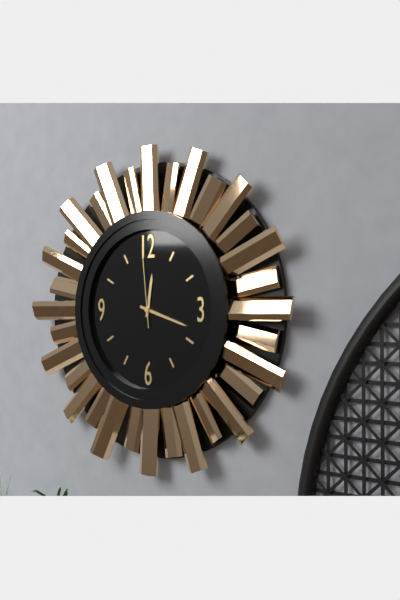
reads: 12,18,59
